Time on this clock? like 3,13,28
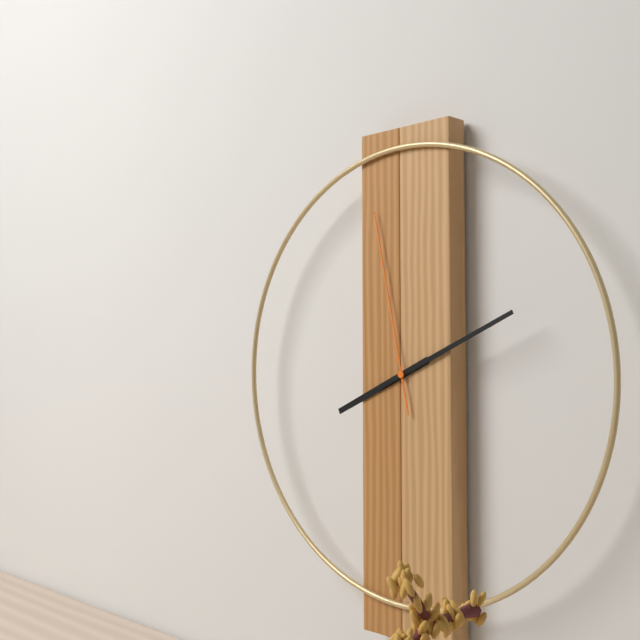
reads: 8,11,58
